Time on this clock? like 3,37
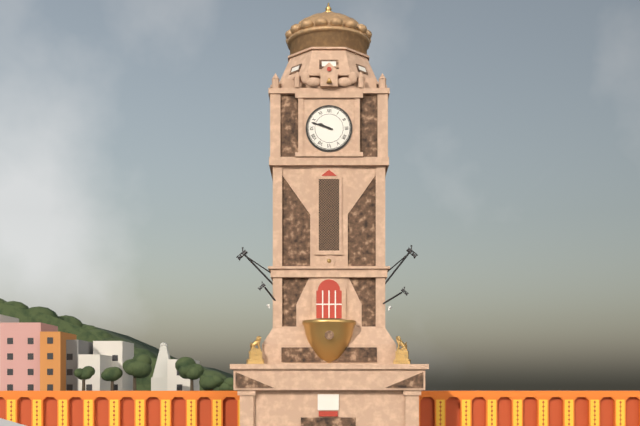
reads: 9,48
